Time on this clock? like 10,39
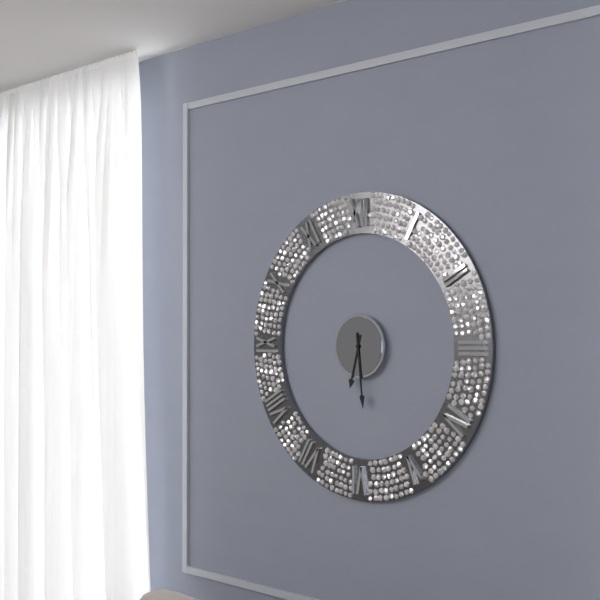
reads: 6,29
